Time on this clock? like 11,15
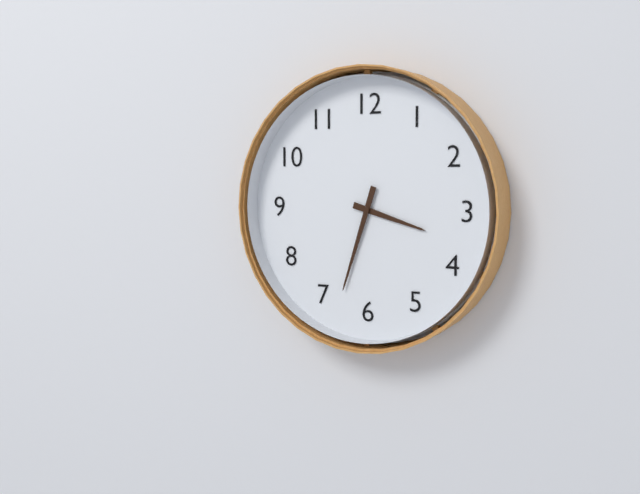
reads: 3,33
